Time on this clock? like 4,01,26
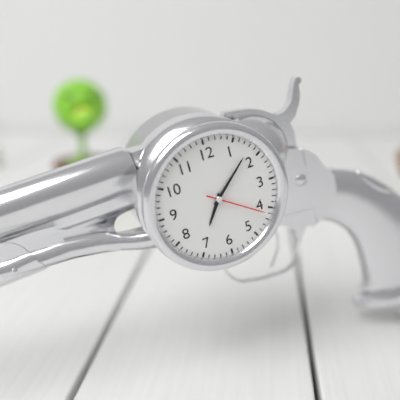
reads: 7,08,21
